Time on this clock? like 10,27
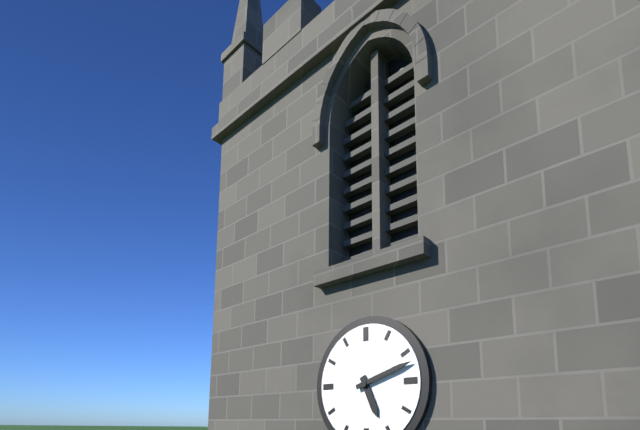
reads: 5,12
